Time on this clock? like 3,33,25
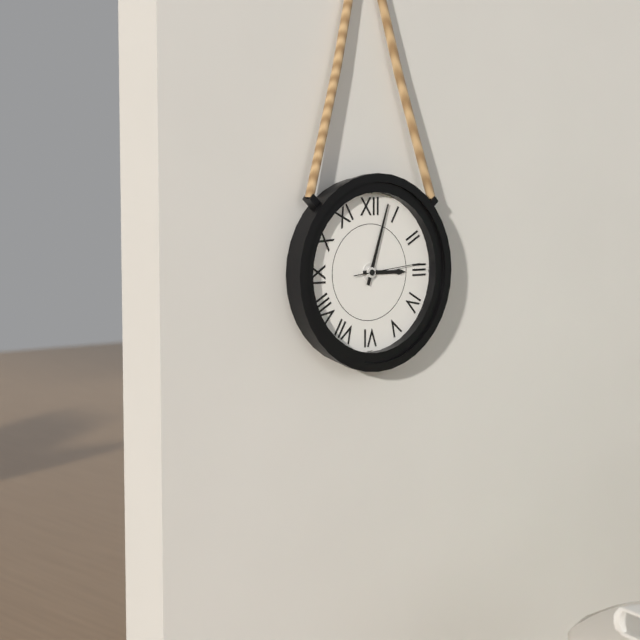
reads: 3,03,14
